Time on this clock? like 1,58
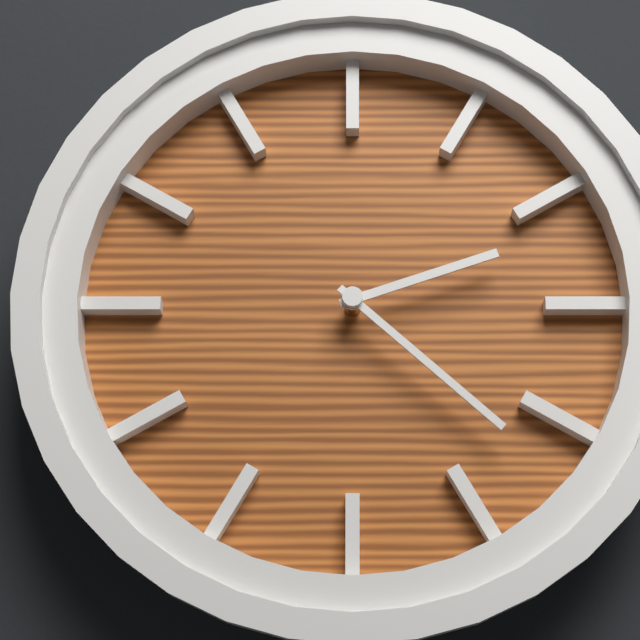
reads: 2,22
